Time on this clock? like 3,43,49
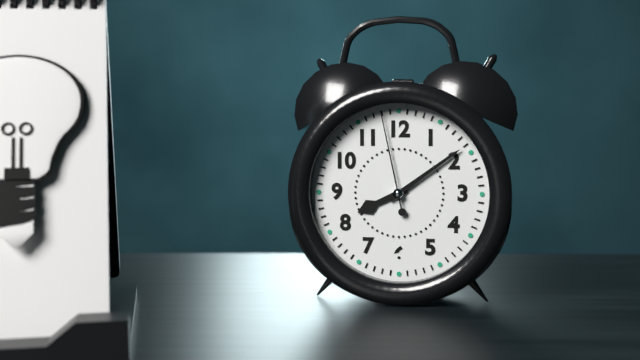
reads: 8,09,58
